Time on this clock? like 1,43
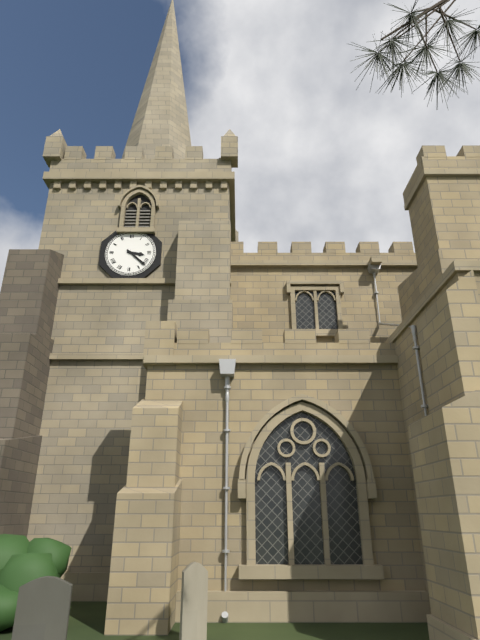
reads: 3,22
